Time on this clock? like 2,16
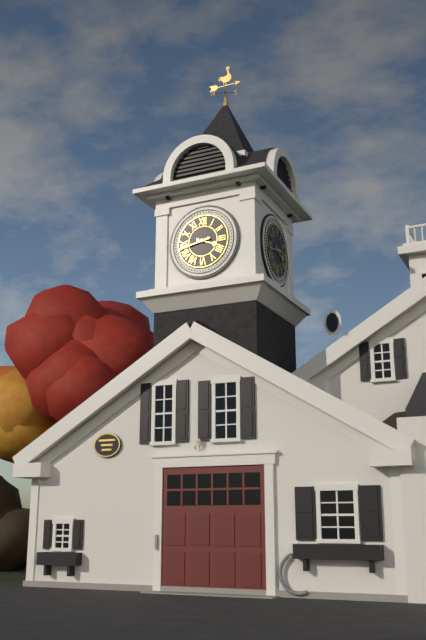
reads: 3,43
